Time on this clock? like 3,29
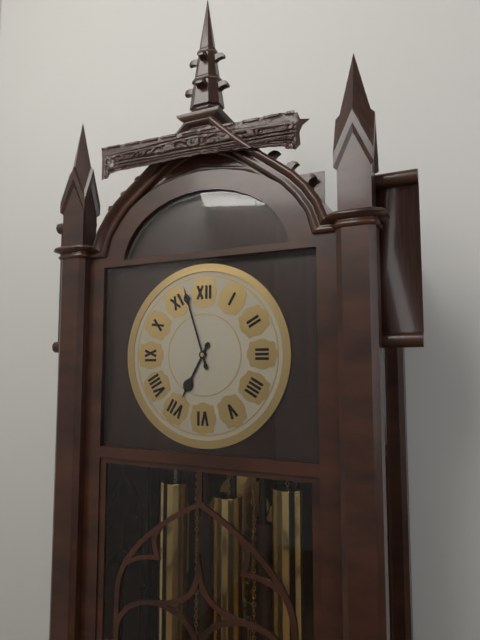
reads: 6,57
